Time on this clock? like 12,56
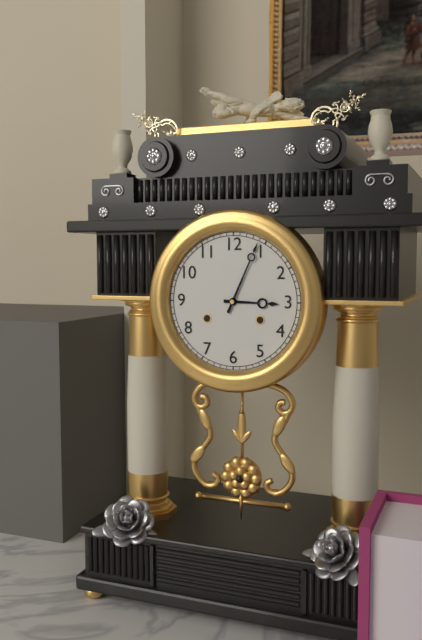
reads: 3,04
